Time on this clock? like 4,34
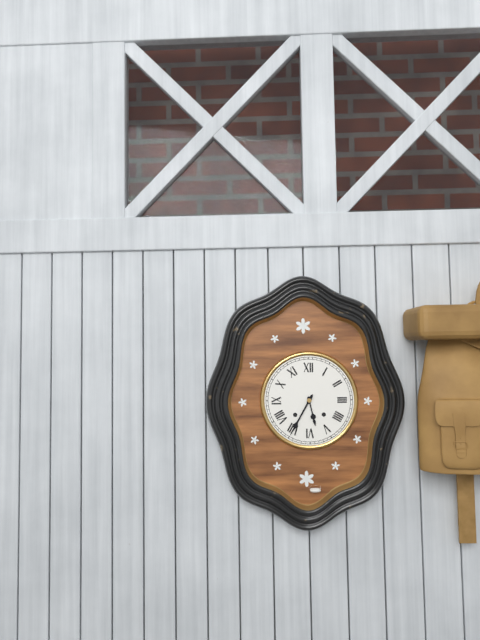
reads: 5,35
